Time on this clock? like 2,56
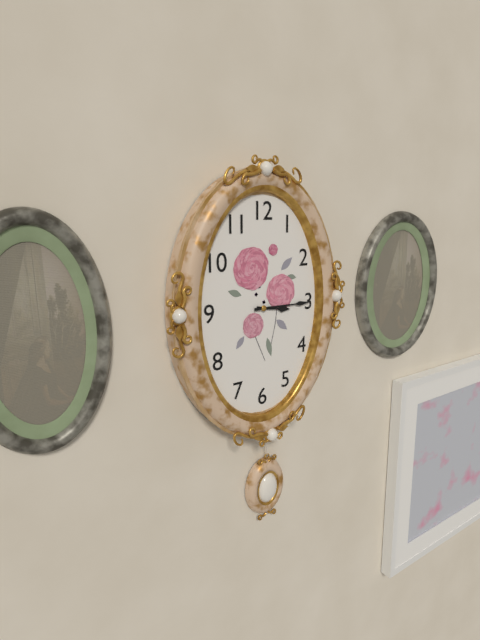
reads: 3,15
